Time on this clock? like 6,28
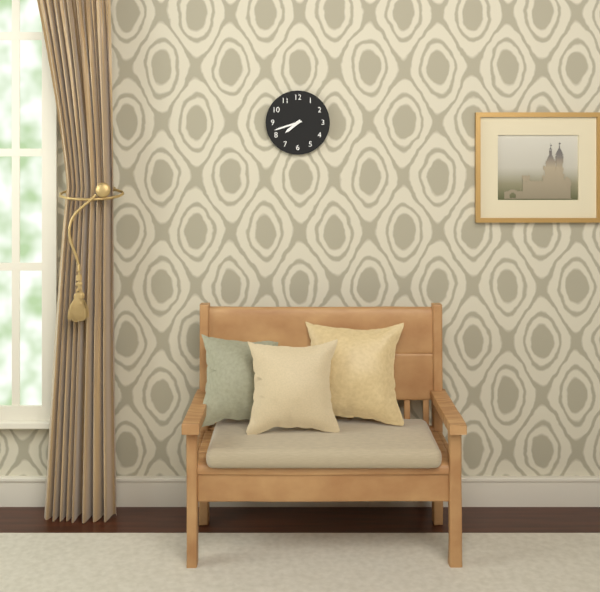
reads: 7,42
